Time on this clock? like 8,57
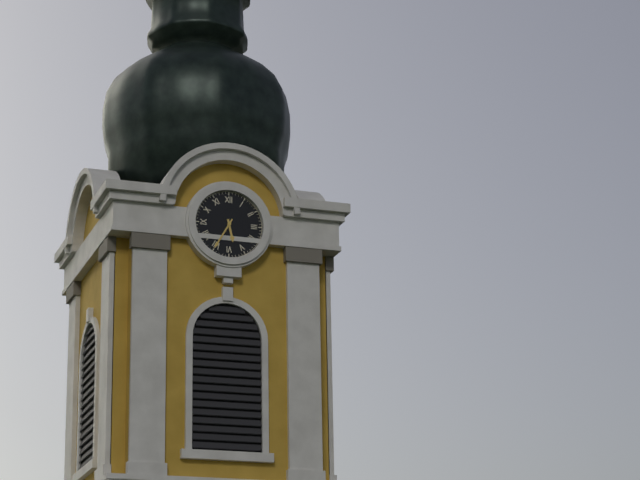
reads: 5,35
